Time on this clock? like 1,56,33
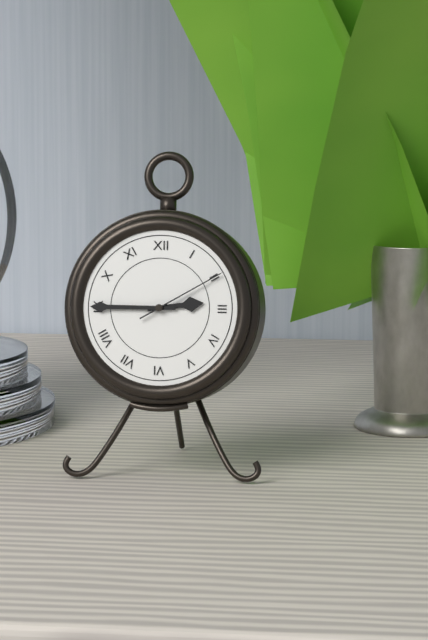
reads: 2,45,10
